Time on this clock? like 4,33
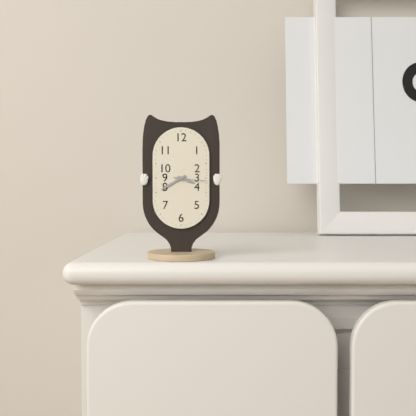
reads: 3,40
